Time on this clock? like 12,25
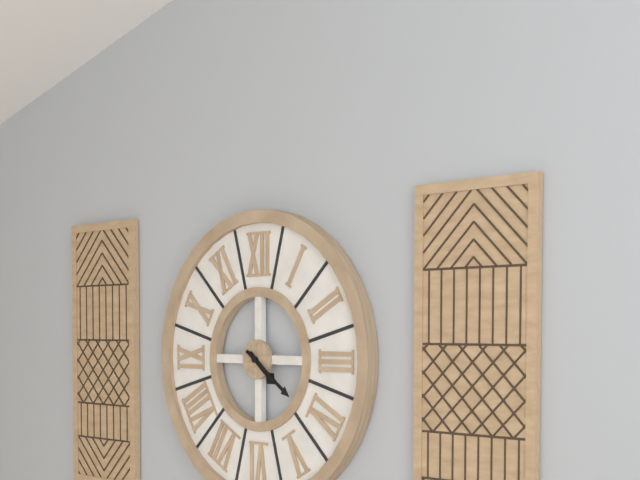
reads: 4,21
